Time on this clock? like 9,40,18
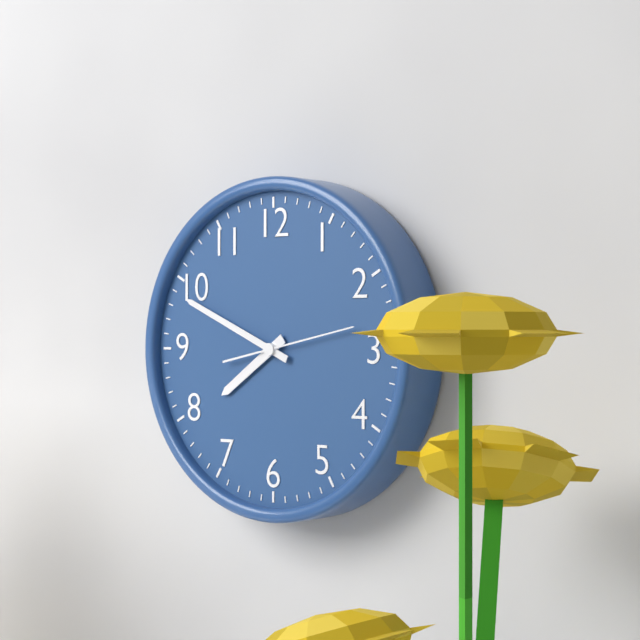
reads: 7,49,13
